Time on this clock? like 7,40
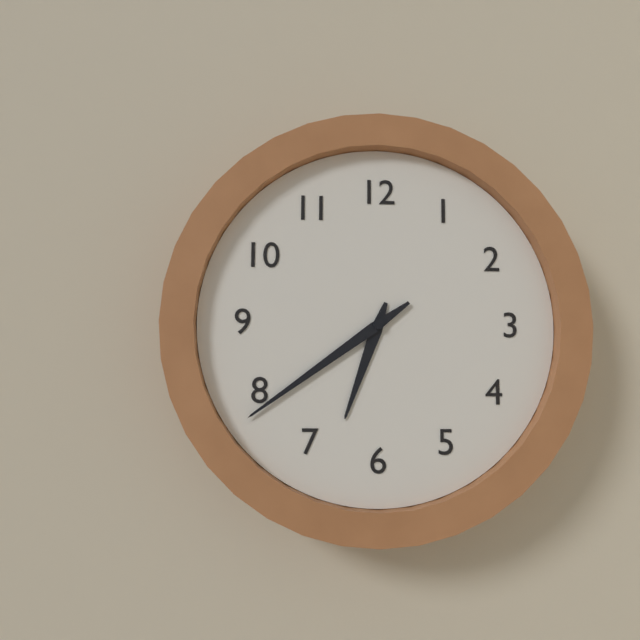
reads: 6,39
